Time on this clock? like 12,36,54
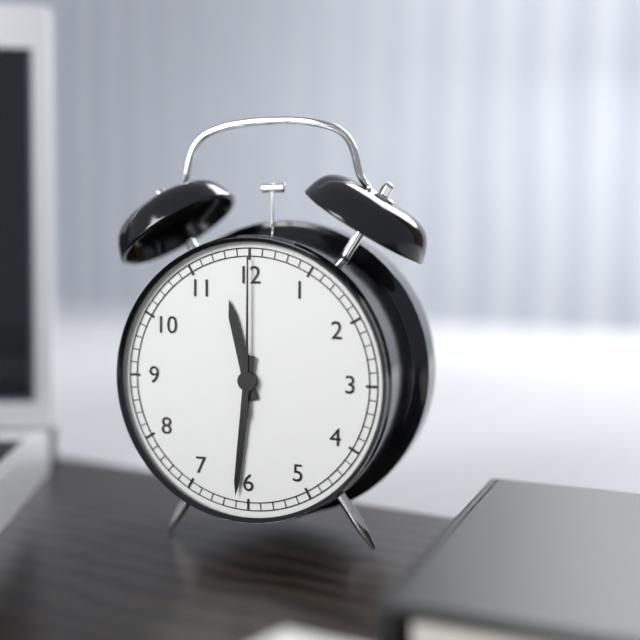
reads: 11,31,00
